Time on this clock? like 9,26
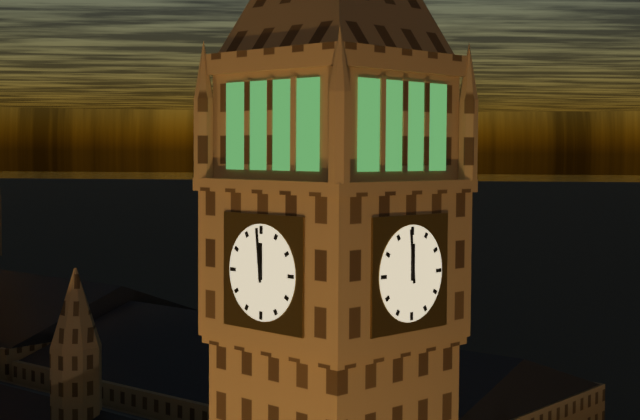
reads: 11,59
